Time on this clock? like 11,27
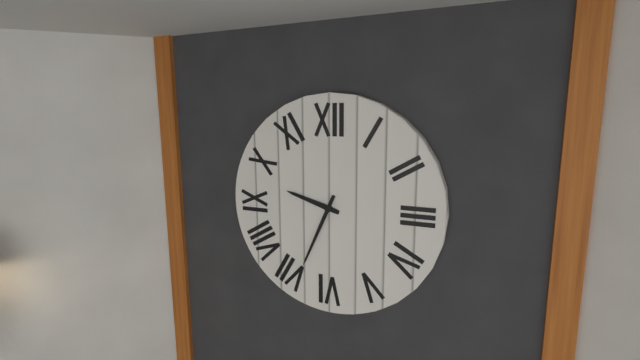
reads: 9,34
